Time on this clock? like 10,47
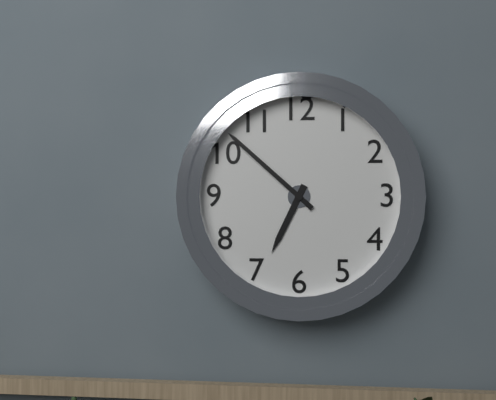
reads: 6,52
